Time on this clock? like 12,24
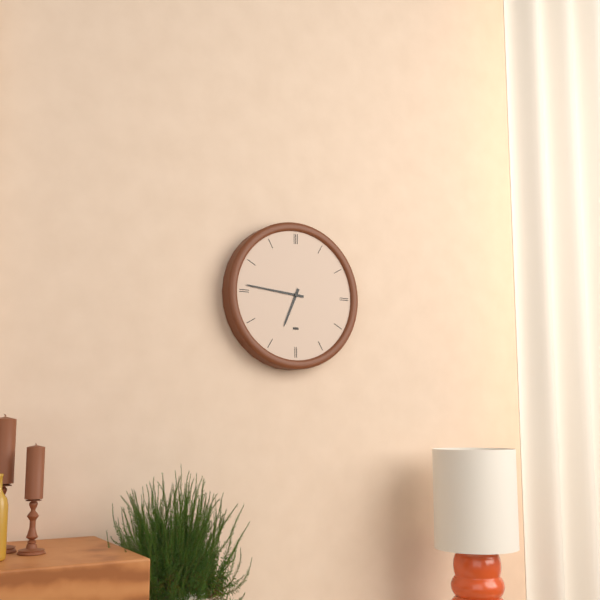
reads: 6,46
